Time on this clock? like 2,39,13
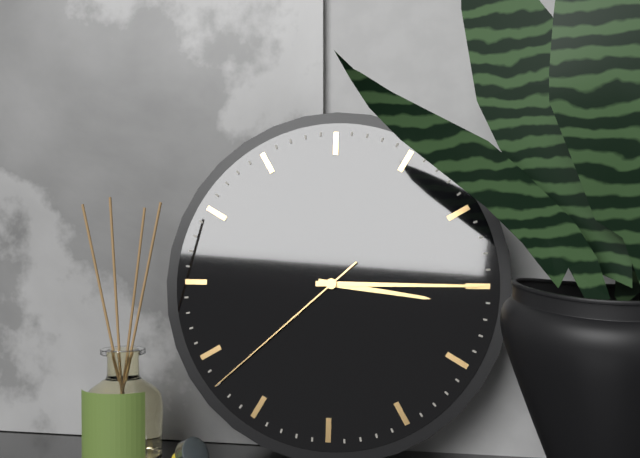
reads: 3,15,38
